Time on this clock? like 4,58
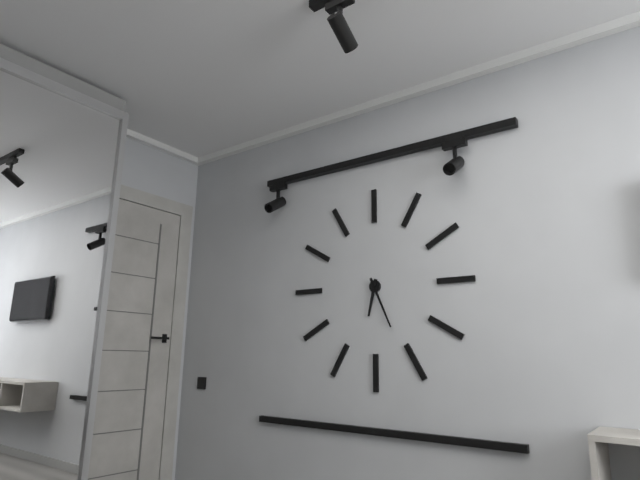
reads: 6,26
